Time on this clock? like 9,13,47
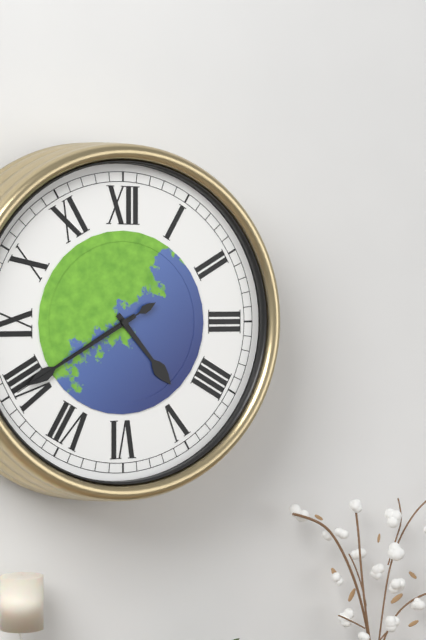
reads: 4,40,40
